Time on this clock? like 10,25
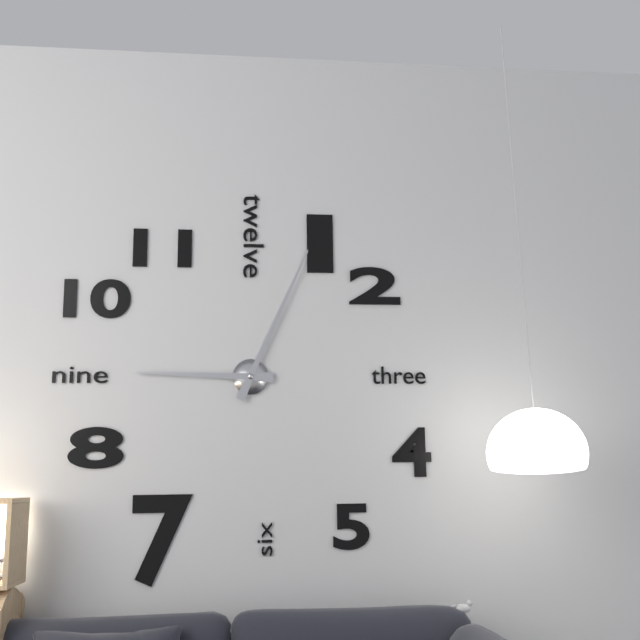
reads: 9,04
